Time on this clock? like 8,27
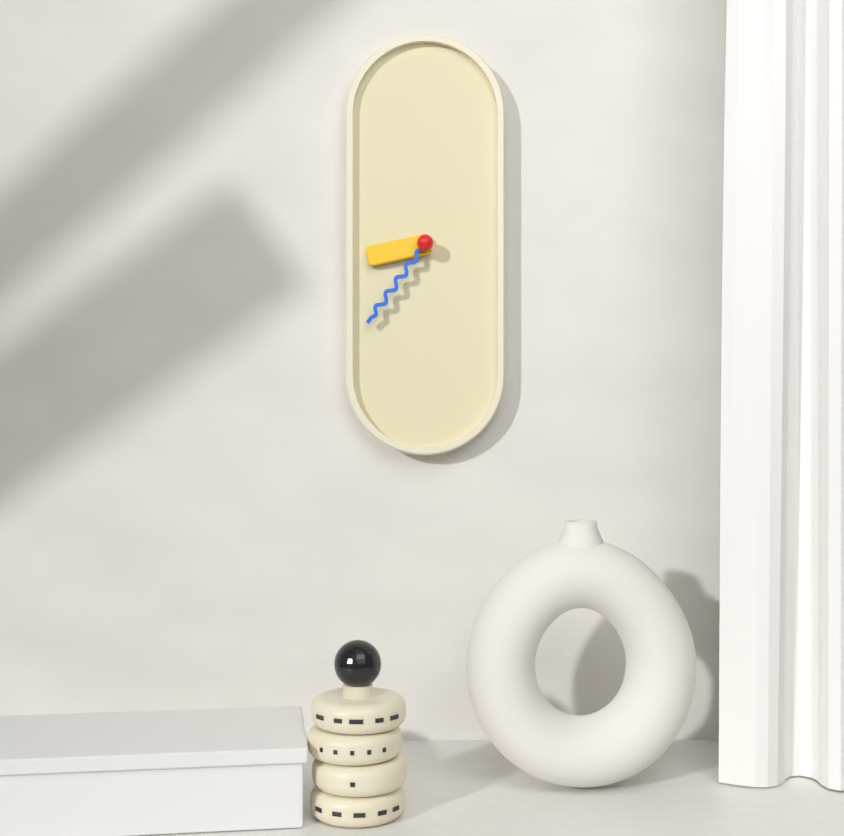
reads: 8,36
